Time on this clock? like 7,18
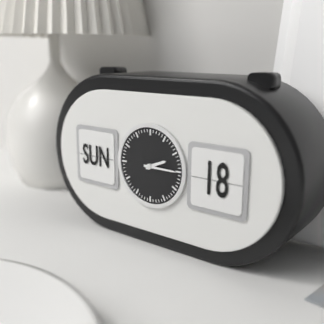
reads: 2,15
